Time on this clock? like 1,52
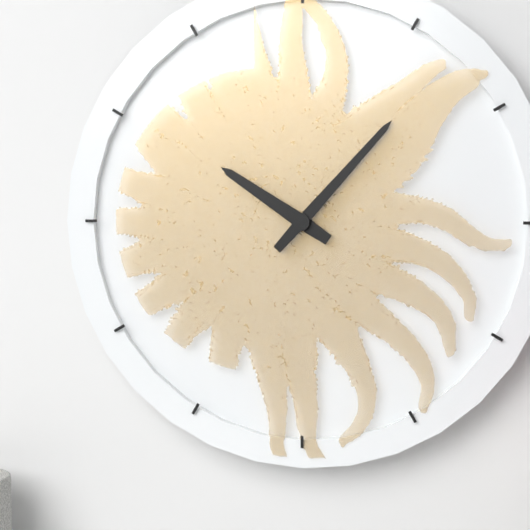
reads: 10,07
